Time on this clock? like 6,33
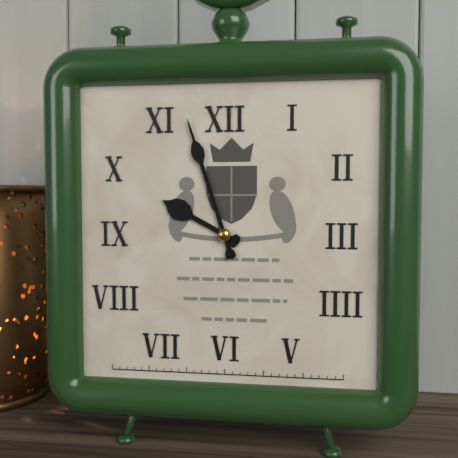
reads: 9,57
